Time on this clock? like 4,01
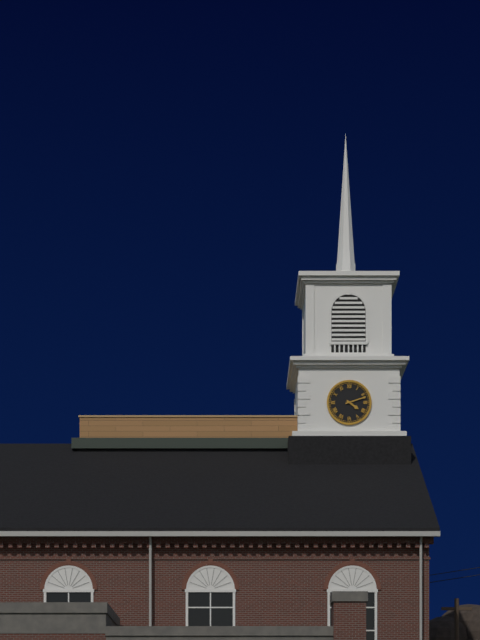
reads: 4,12
